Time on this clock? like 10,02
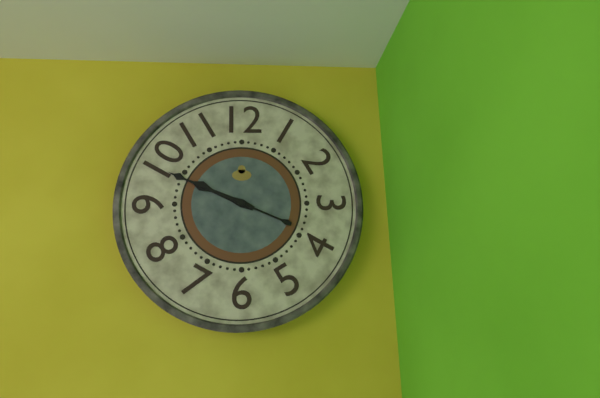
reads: 9,49
